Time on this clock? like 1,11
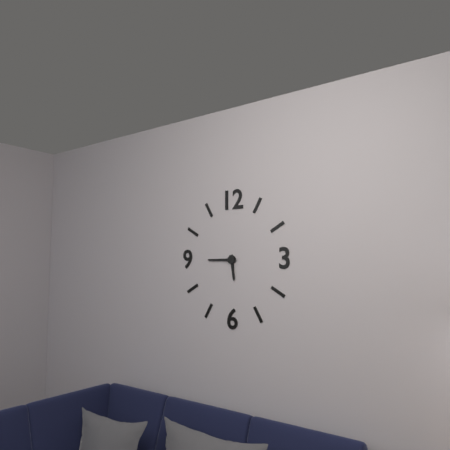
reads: 5,45
